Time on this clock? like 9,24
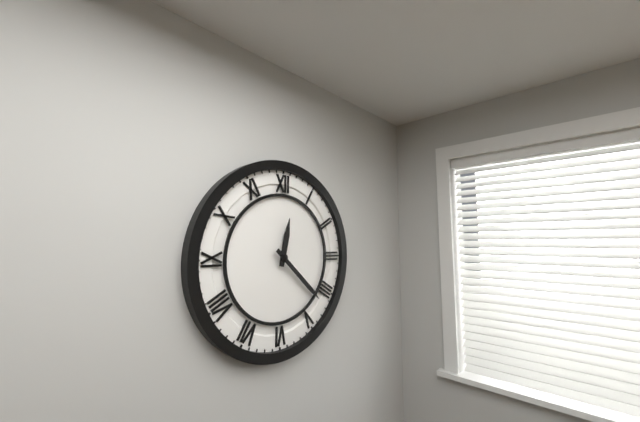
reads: 12,22
